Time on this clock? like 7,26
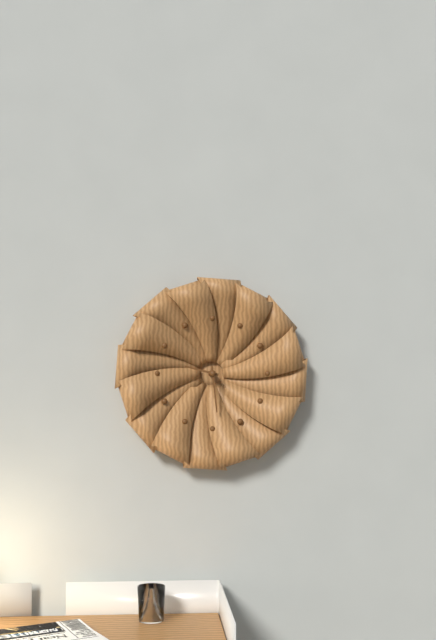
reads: 9,29
